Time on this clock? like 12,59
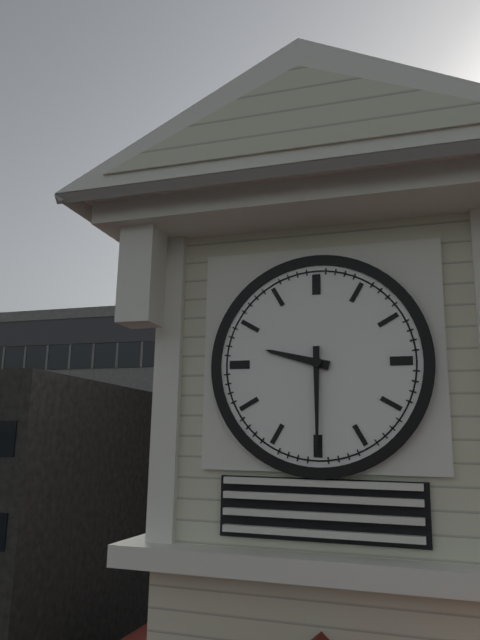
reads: 9,30
